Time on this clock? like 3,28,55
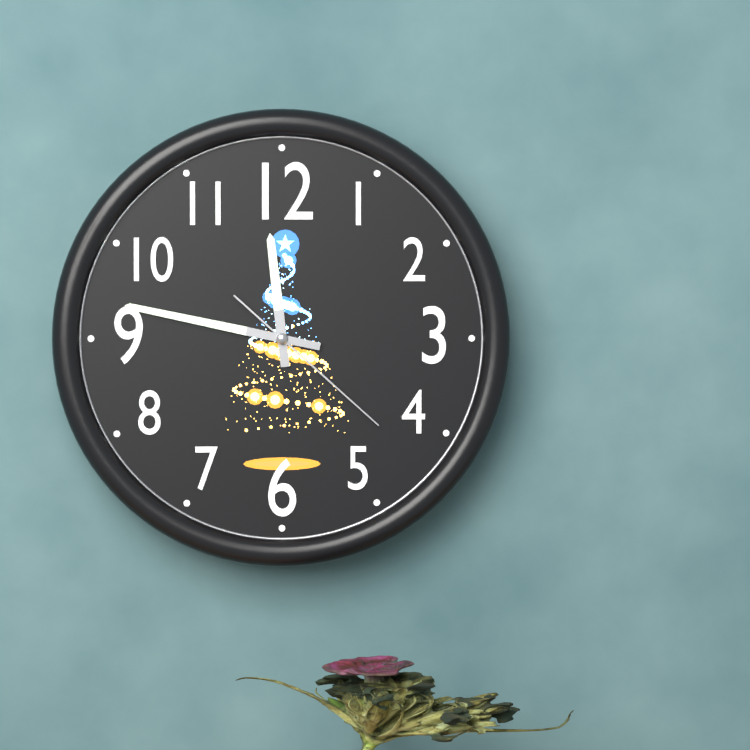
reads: 11,47,22
